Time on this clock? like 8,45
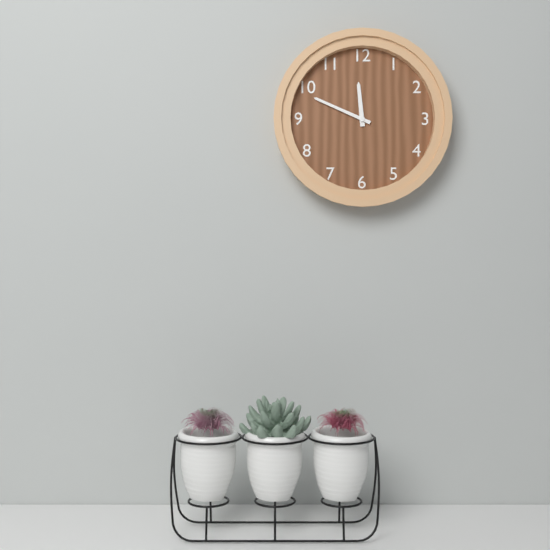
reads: 11,49
